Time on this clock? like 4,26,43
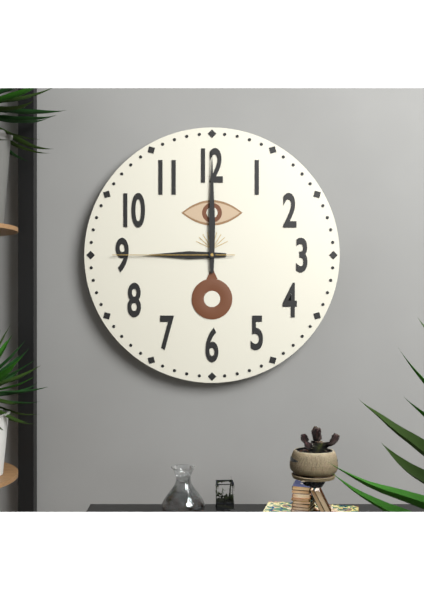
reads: 9,00,45
